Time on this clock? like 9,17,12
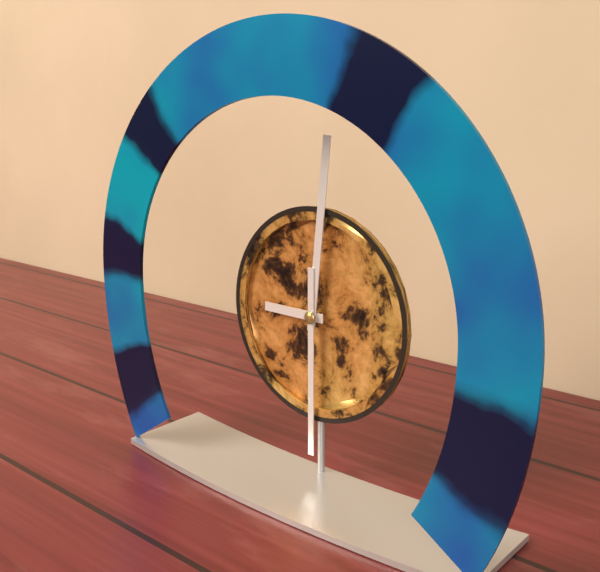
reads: 9,01,30
